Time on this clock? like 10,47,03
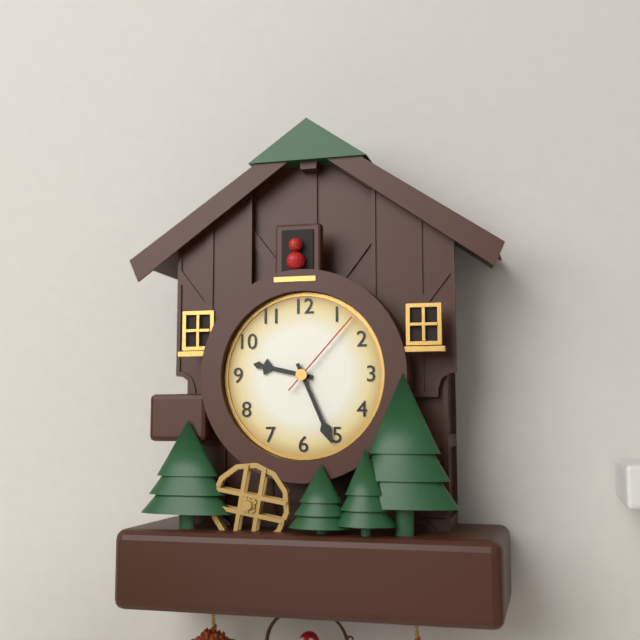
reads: 9,26,07
